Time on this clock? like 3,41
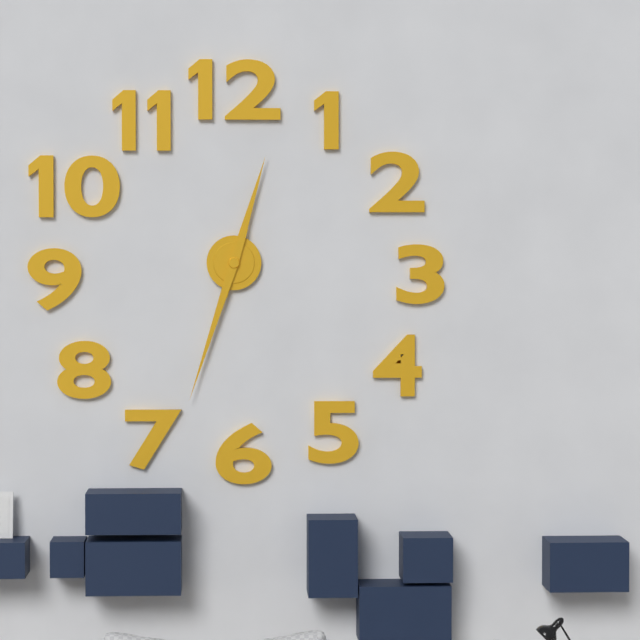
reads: 12,33
